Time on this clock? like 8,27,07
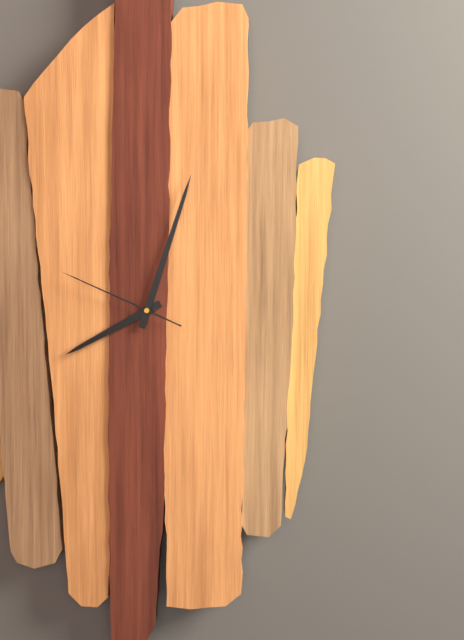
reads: 8,03,49
